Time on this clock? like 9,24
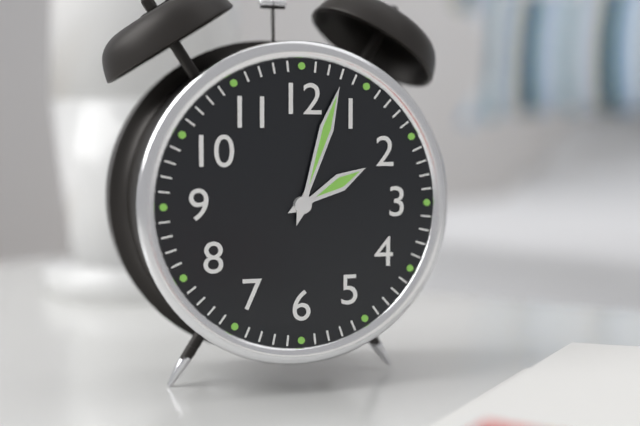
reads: 2,03
